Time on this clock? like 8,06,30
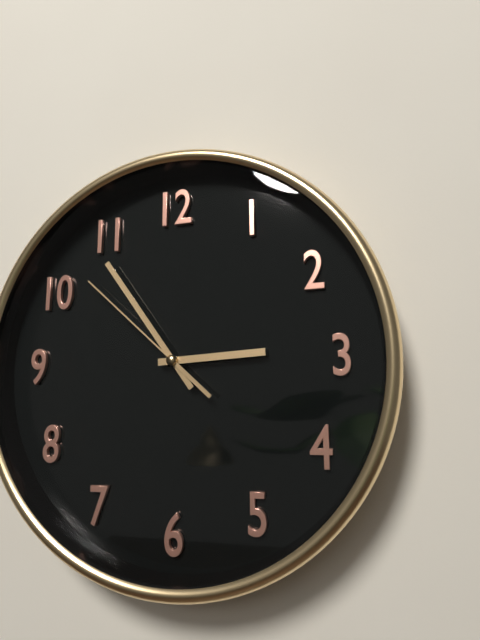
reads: 2,54,52
